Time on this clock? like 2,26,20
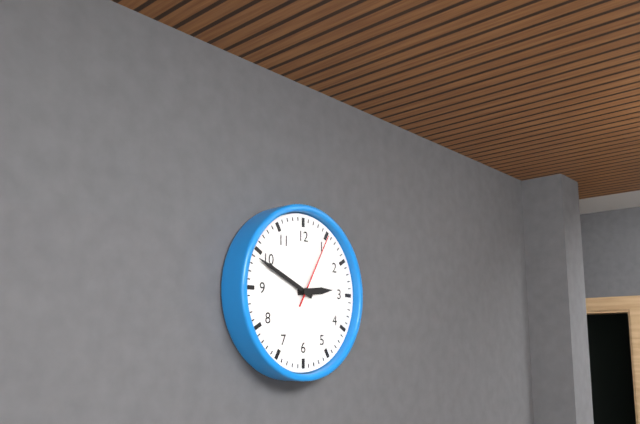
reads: 2,49,05
